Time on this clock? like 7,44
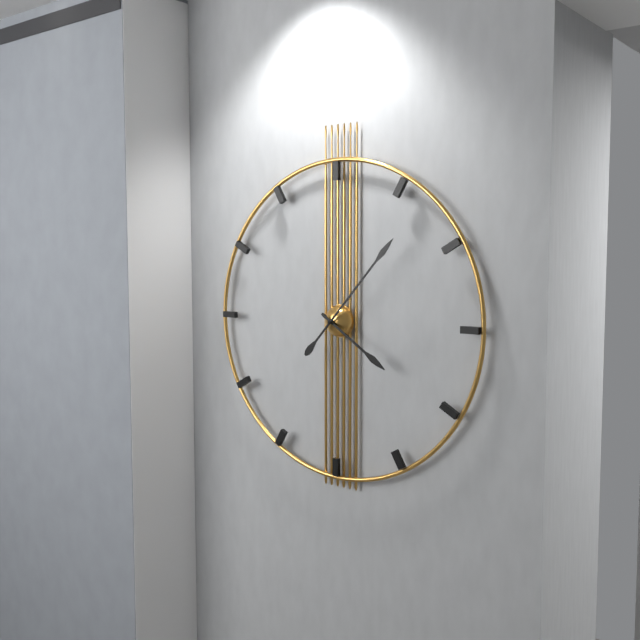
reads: 4,07
